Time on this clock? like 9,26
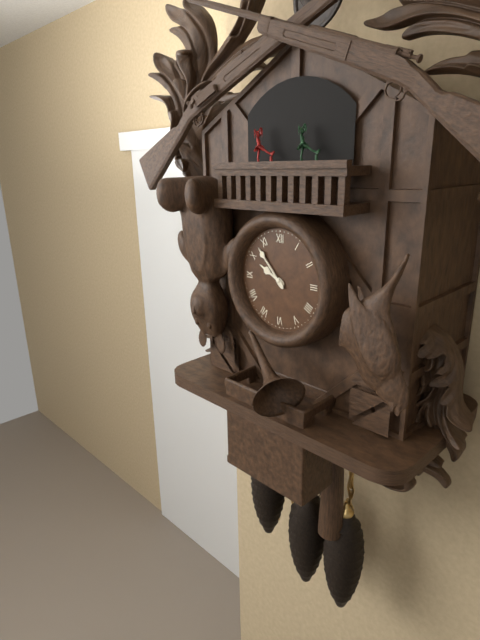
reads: 9,53
